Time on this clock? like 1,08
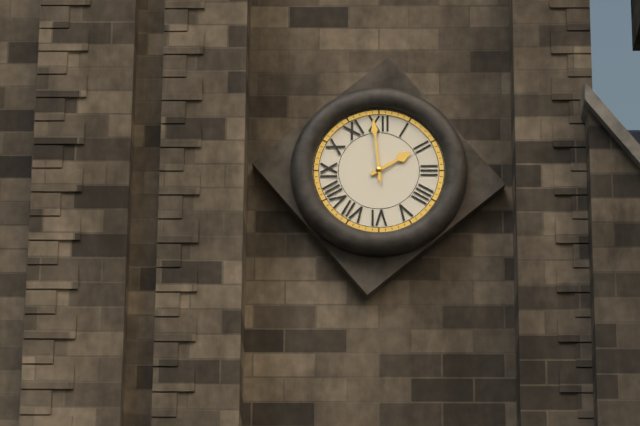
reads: 1,59
